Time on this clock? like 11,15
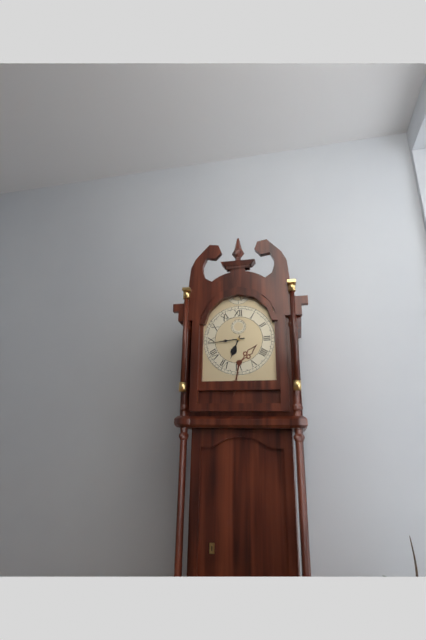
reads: 6,44
